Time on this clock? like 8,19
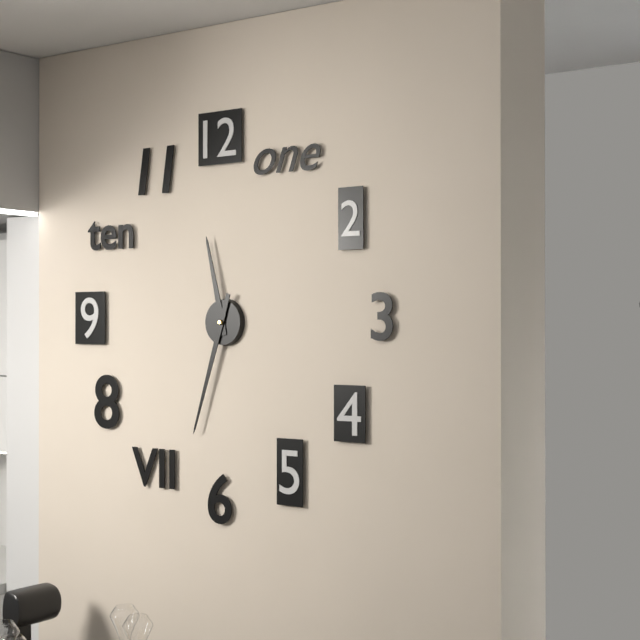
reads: 11,33
